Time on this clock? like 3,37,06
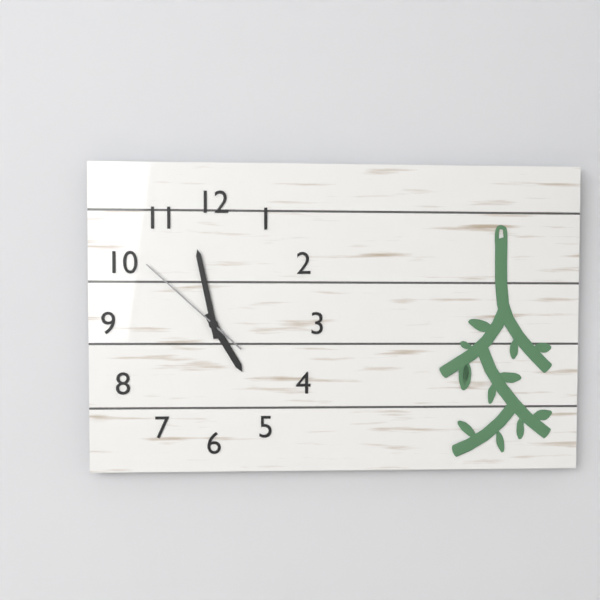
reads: 4,58,52
